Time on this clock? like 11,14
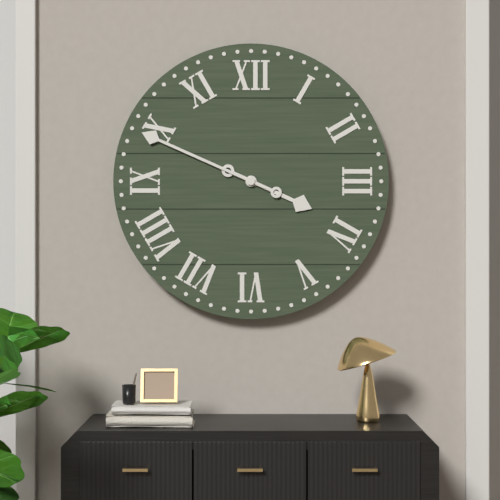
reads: 3,49
